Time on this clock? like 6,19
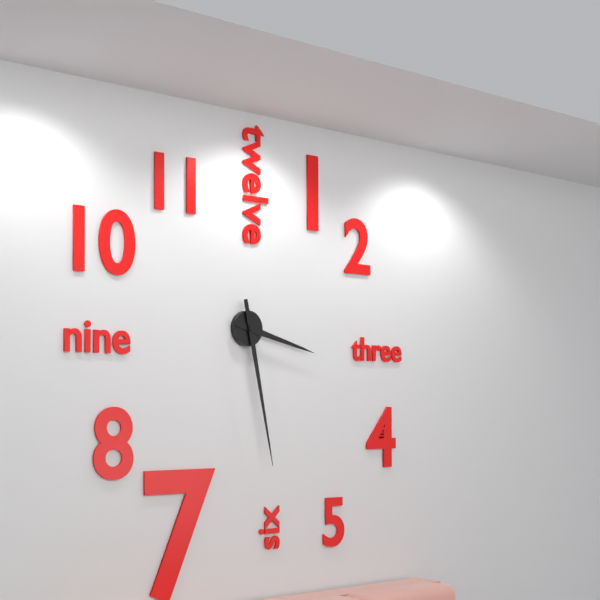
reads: 3,28
